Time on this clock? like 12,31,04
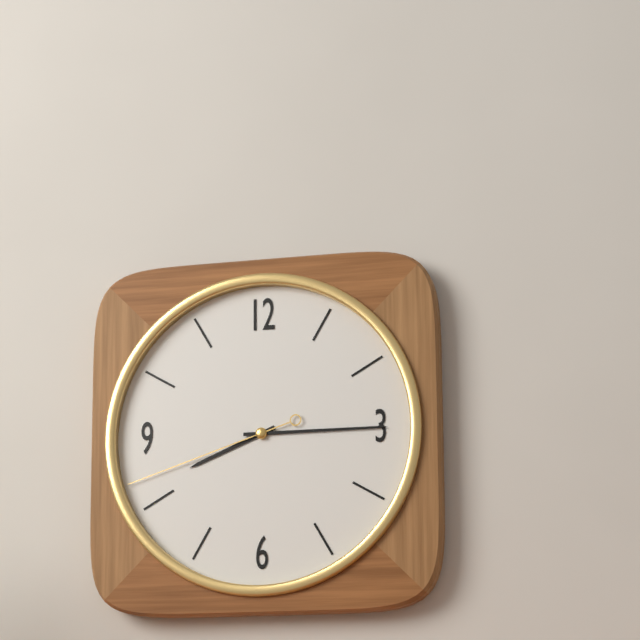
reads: 8,15,42
